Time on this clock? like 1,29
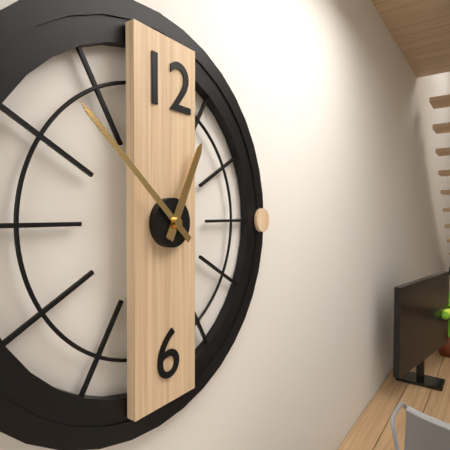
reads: 12,52
